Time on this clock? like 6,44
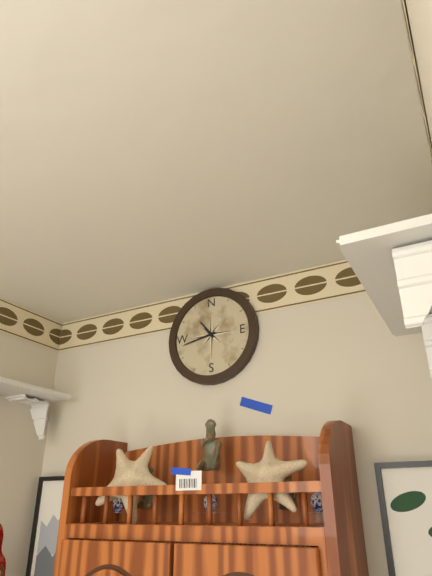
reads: 10,43
